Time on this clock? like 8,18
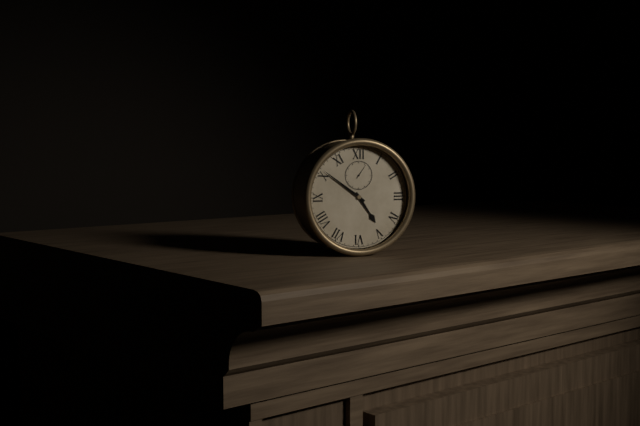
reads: 4,51
